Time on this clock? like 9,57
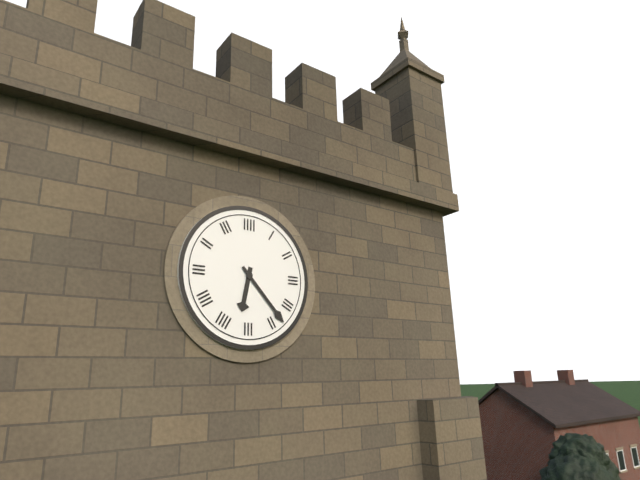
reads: 6,23
